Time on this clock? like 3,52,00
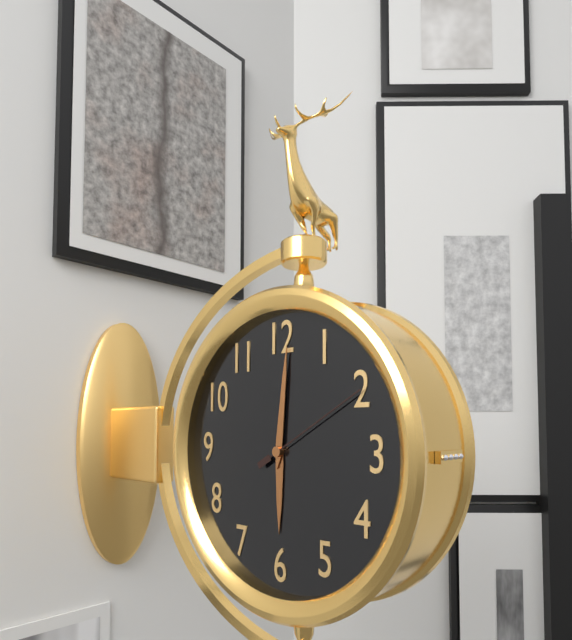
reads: 6,01,10
